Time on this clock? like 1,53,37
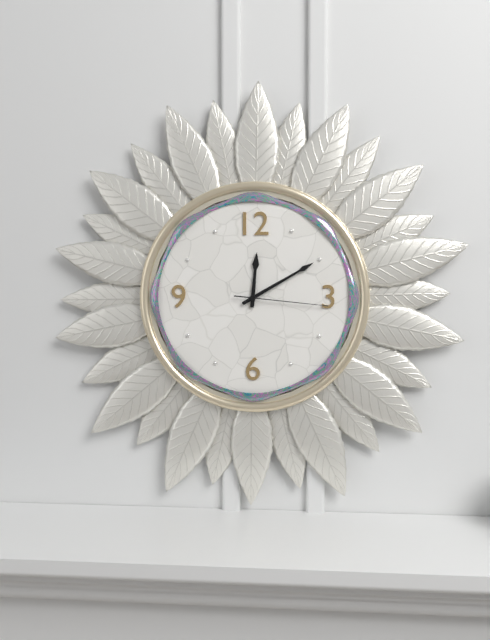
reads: 12,10,16
